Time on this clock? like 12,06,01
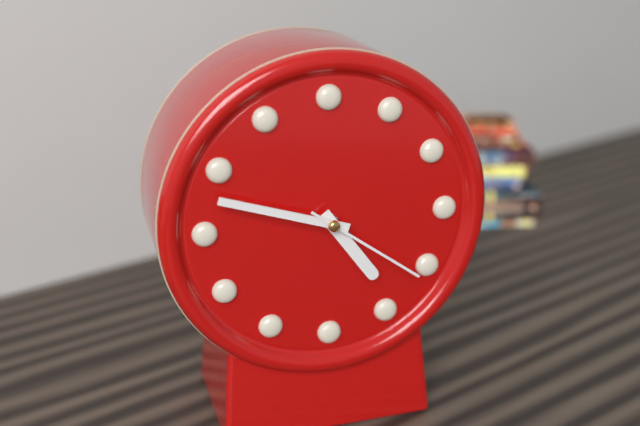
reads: 4,48,21
